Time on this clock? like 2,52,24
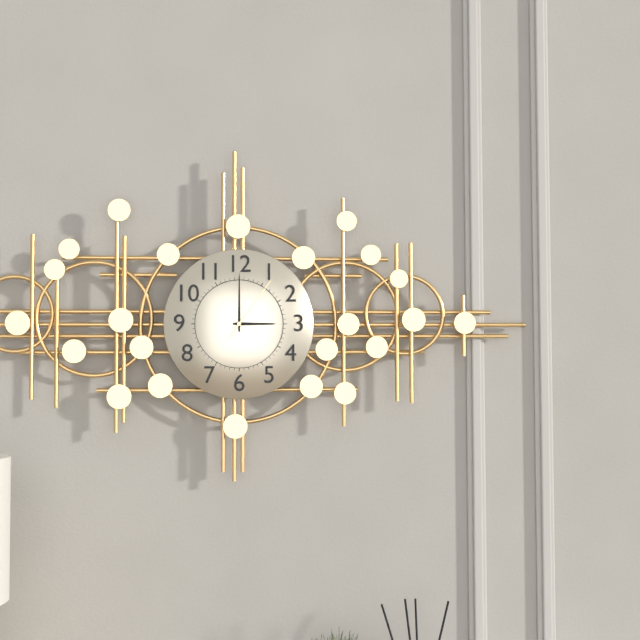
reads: 3,00,06
